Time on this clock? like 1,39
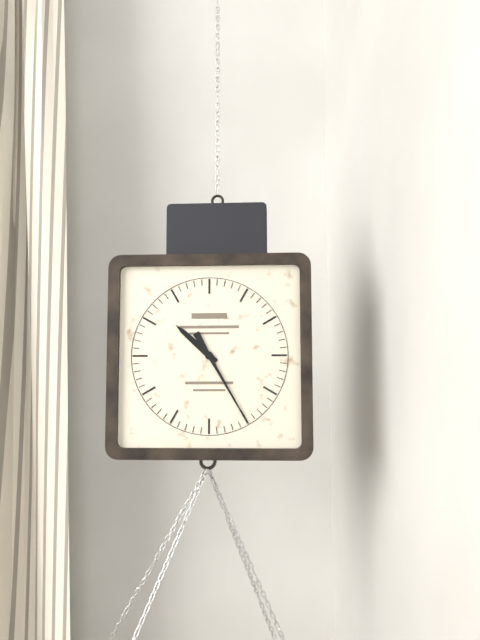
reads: 10,25
